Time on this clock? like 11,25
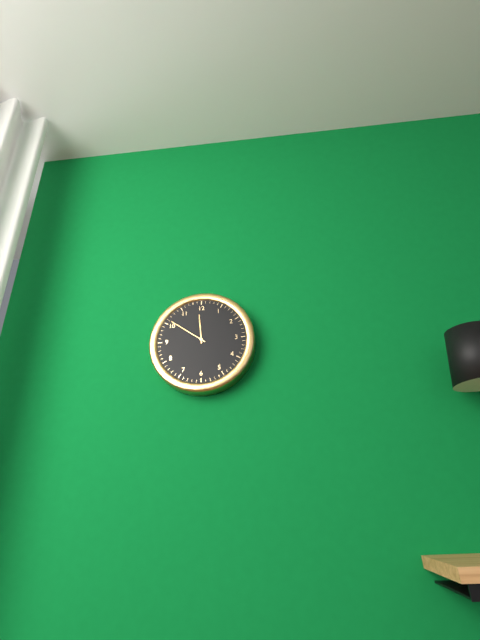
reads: 11,51
